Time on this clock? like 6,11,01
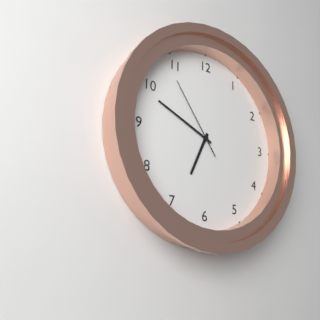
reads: 6,49,54
